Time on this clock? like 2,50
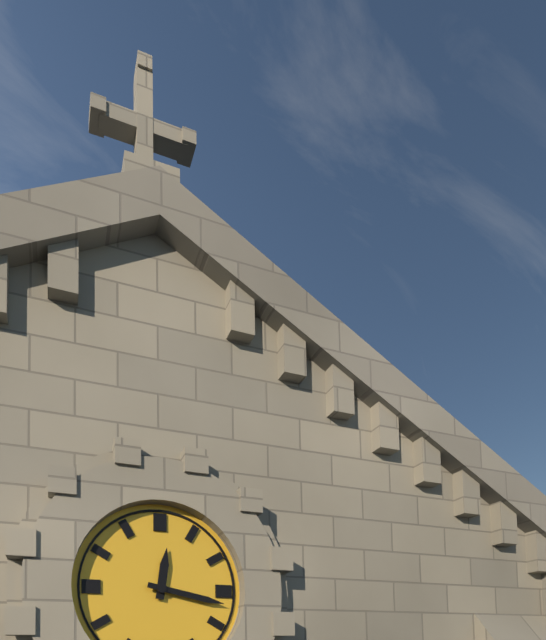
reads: 12,17
